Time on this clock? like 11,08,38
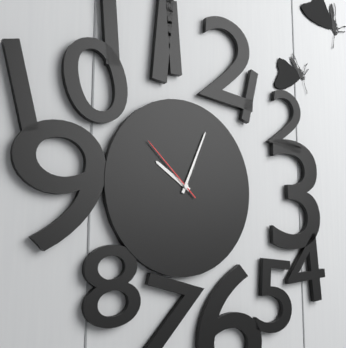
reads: 10,04,52
